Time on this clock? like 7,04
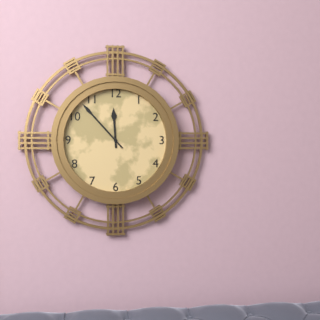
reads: 11,53
